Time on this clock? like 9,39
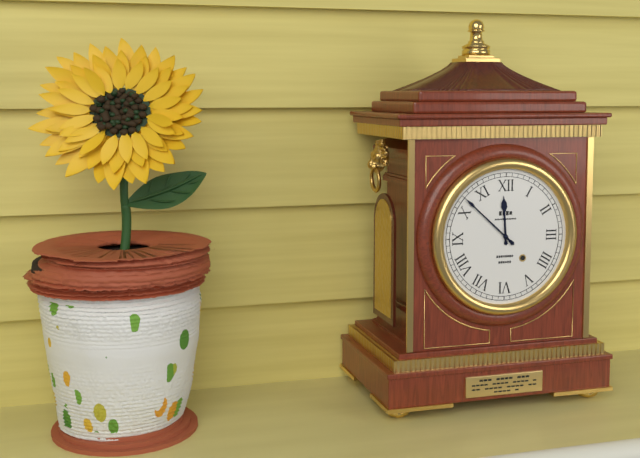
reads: 11,52
